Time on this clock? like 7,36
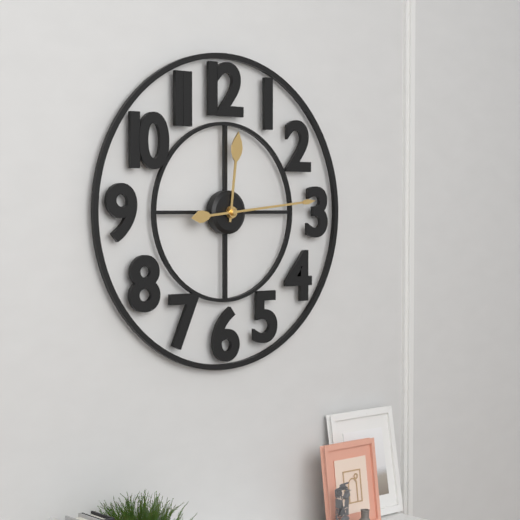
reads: 12,14
